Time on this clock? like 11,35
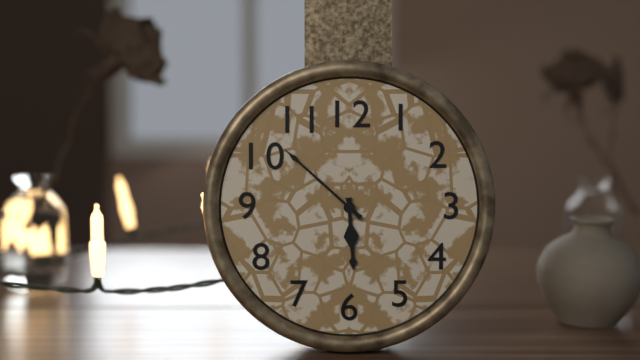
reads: 5,52
